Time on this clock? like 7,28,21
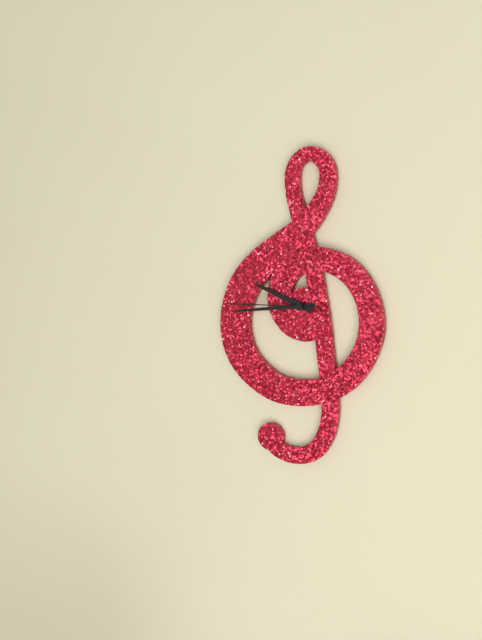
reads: 9,44,45
